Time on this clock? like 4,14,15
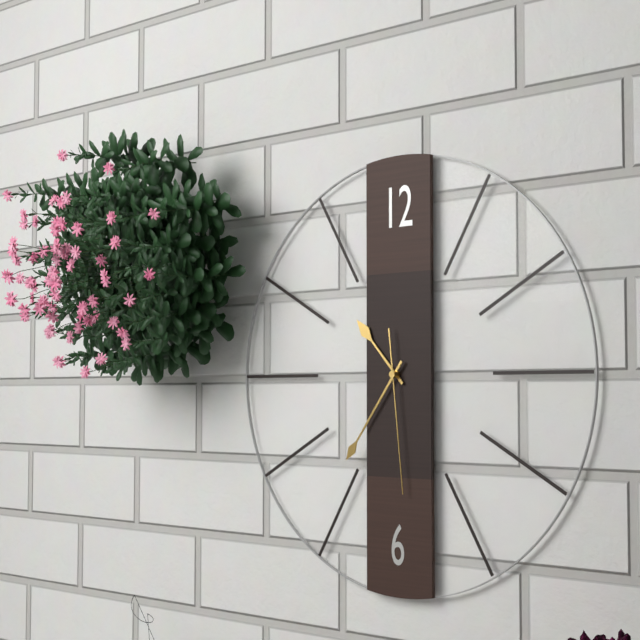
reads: 10,36,29
